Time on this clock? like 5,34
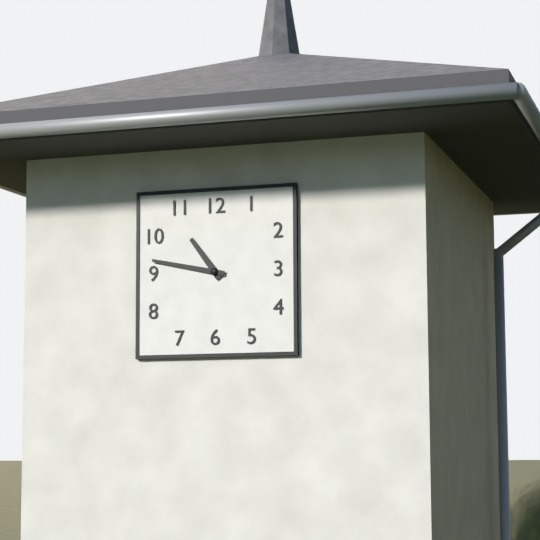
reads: 10,47
